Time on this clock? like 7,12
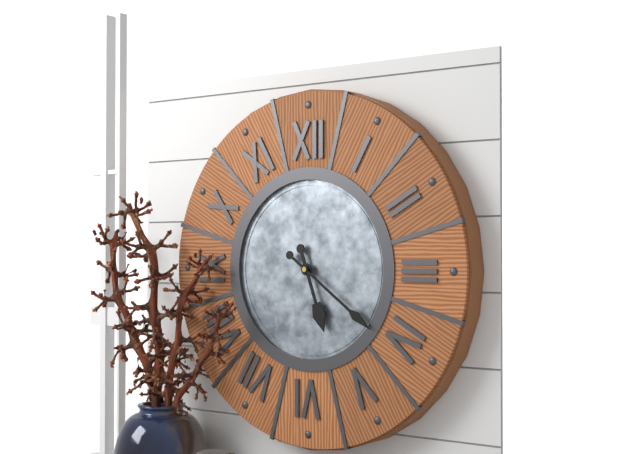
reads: 5,21
